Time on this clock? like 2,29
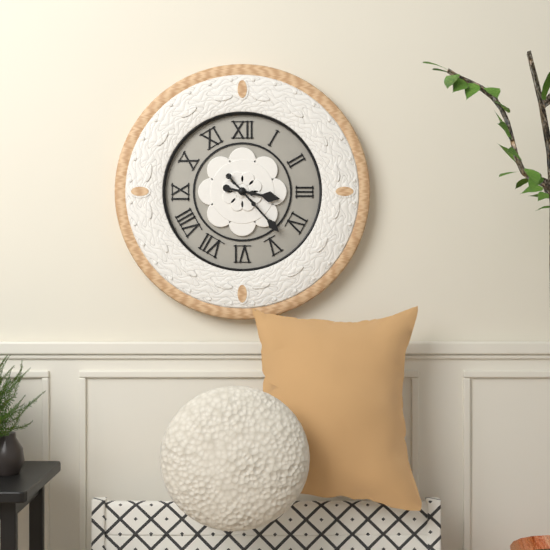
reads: 3,23
